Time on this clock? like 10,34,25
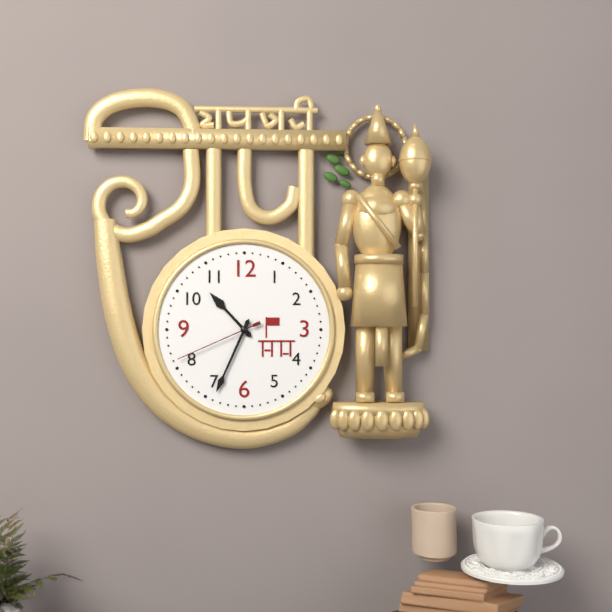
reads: 10,34,41
